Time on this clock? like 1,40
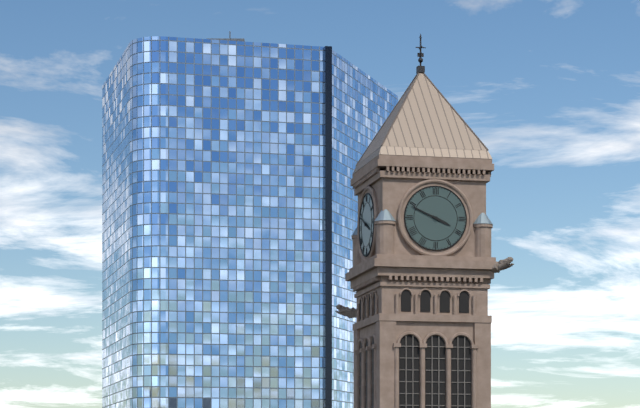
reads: 3,49
